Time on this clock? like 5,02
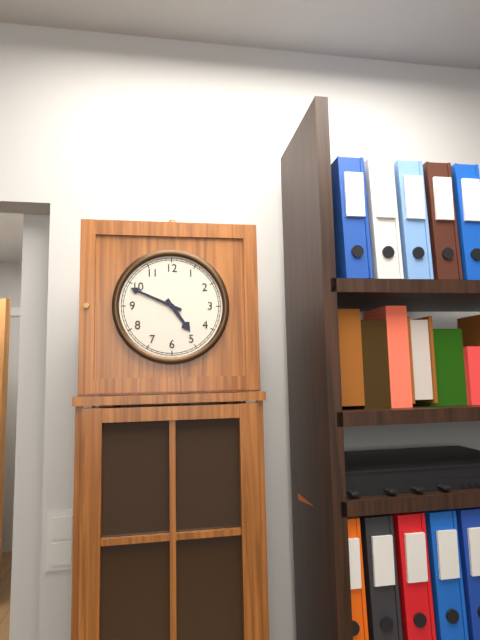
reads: 4,49
